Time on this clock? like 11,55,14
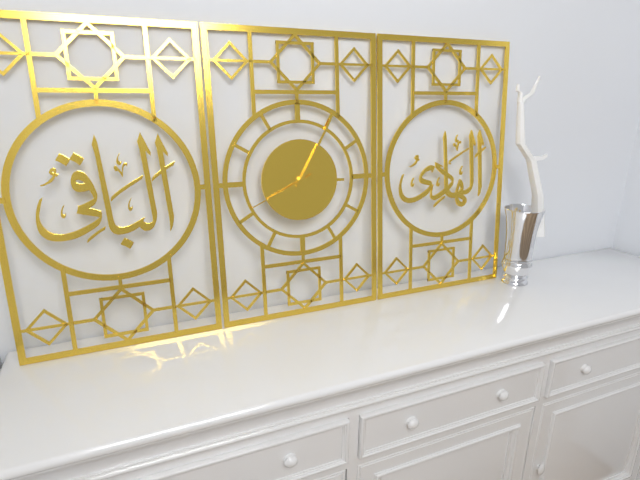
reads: 3,05,41
